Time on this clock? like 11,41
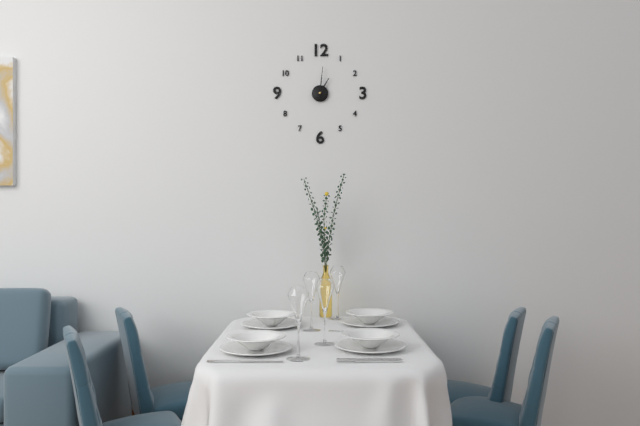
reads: 1,01
